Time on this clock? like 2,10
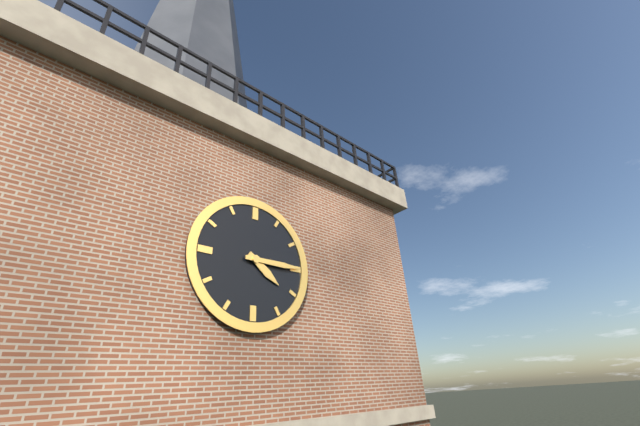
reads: 4,15
